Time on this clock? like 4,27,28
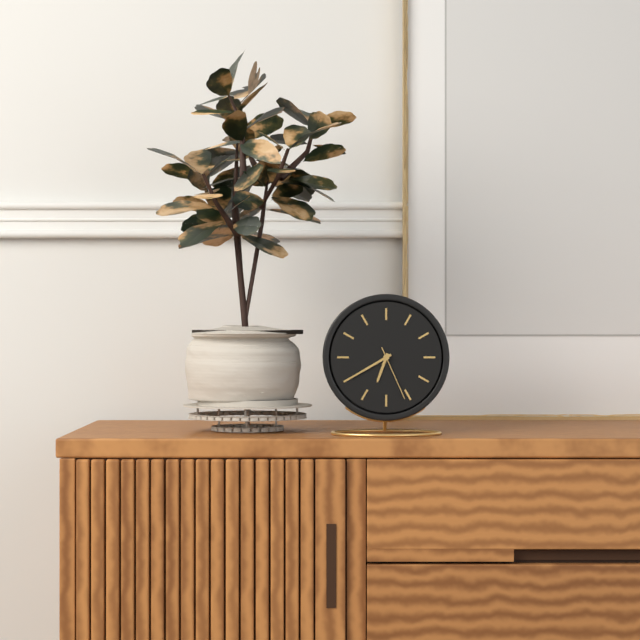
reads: 6,40,26
